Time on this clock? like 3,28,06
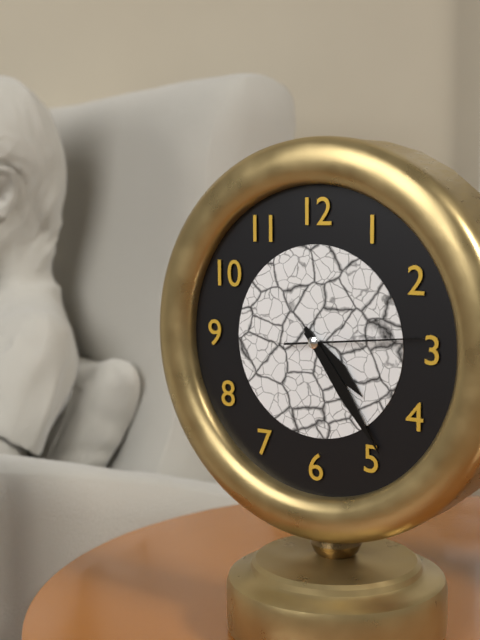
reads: 4,24,14
